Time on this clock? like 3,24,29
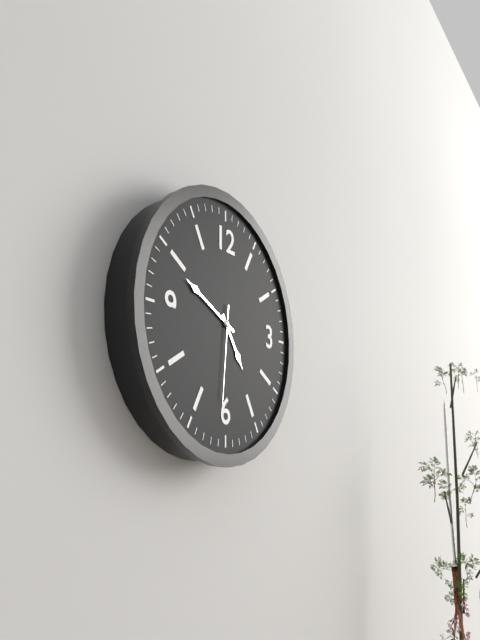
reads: 4,49,31
